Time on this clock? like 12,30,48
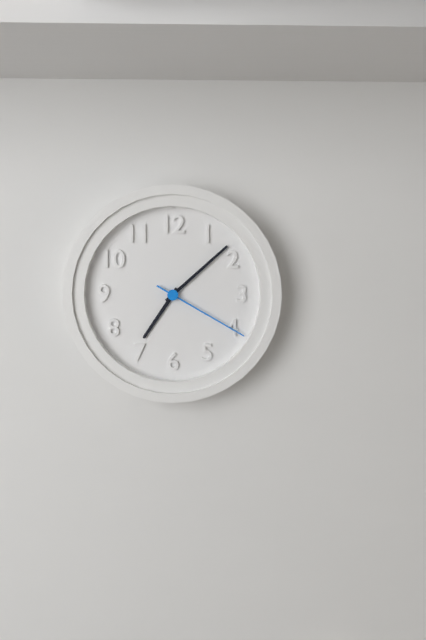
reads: 7,08,20
